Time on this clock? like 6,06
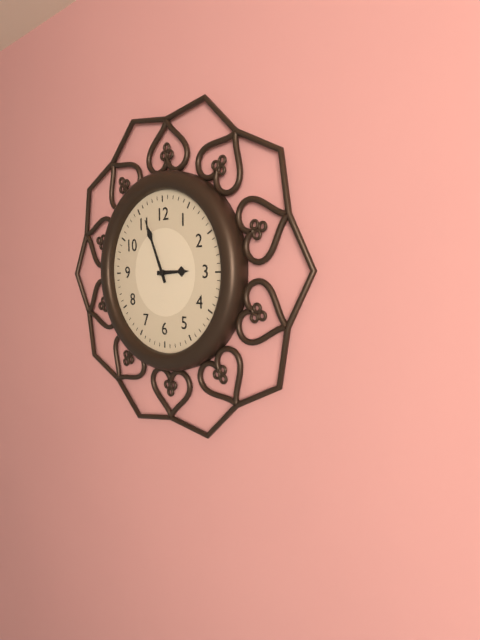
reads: 2,56
